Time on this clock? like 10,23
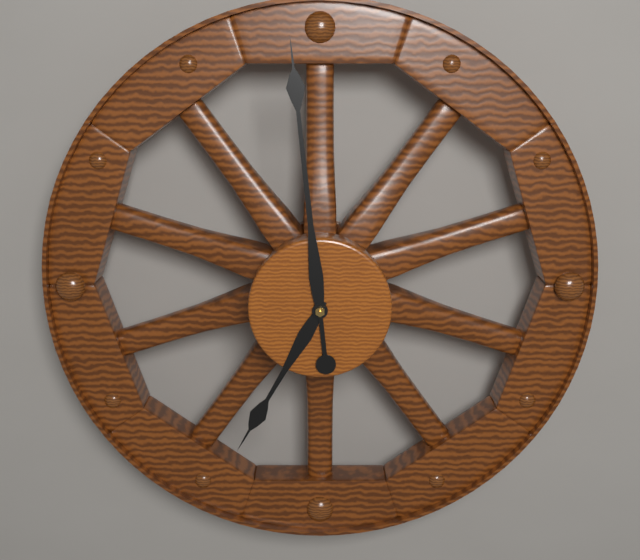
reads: 6,59
